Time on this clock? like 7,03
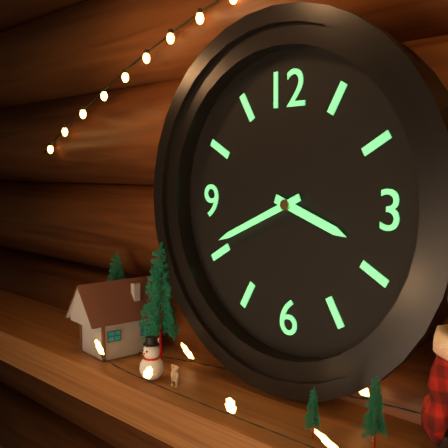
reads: 3,41
